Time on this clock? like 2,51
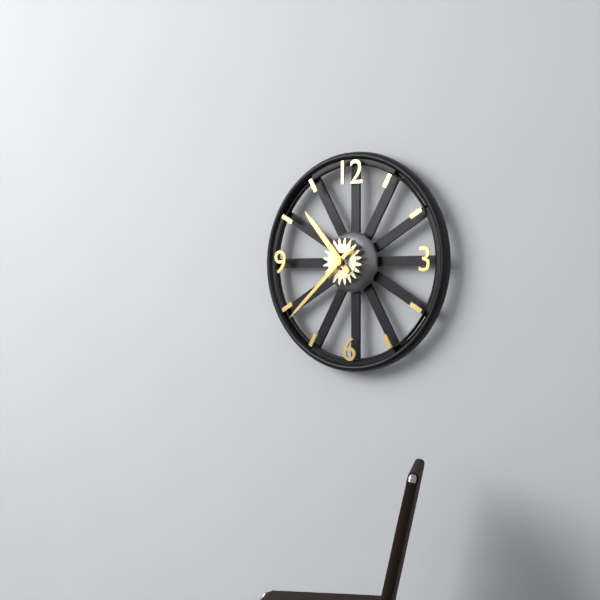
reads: 10,38
